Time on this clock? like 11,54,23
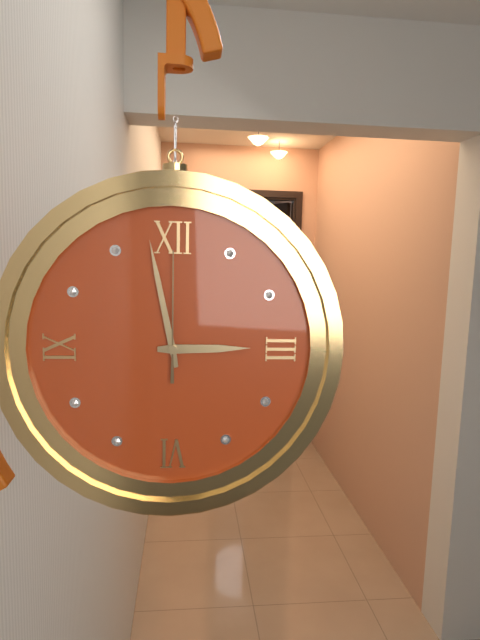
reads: 2,58,00
